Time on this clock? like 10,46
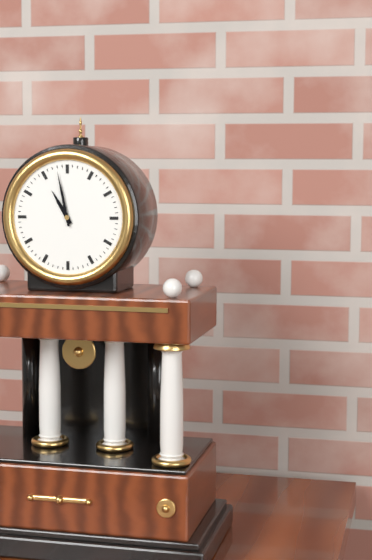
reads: 10,58
